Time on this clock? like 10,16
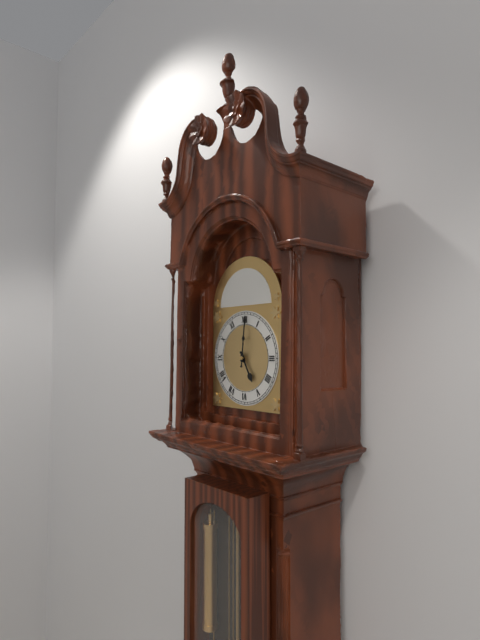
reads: 5,01
